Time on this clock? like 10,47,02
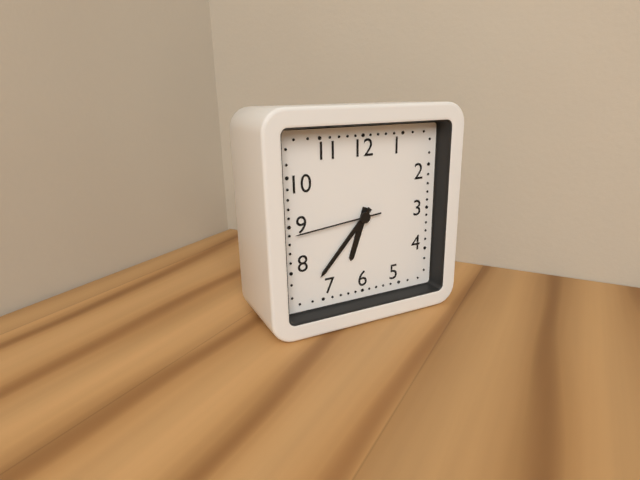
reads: 6,37,44
